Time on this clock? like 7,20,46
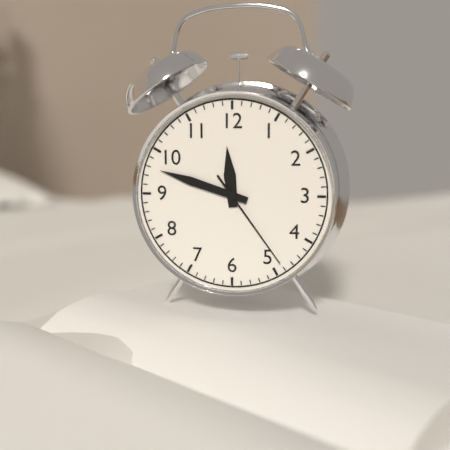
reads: 11,48,24
